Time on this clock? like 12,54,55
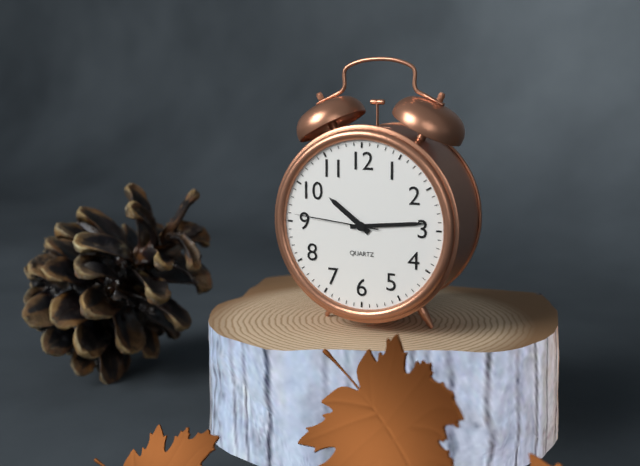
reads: 10,14,46
